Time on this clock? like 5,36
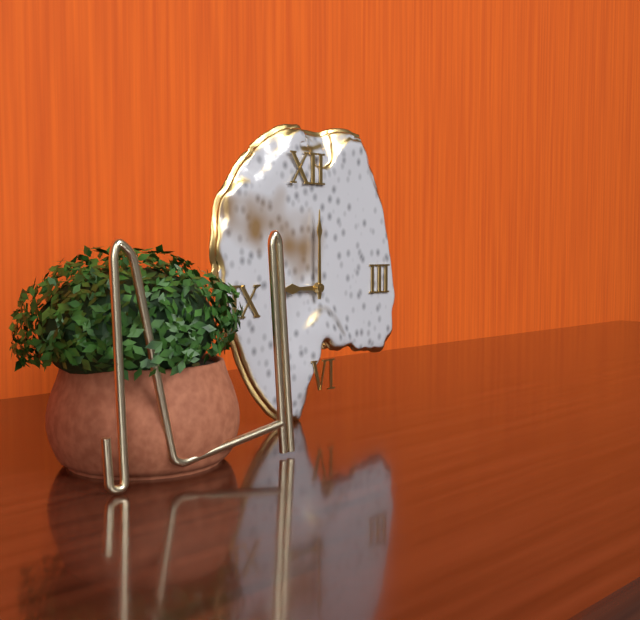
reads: 9,00
